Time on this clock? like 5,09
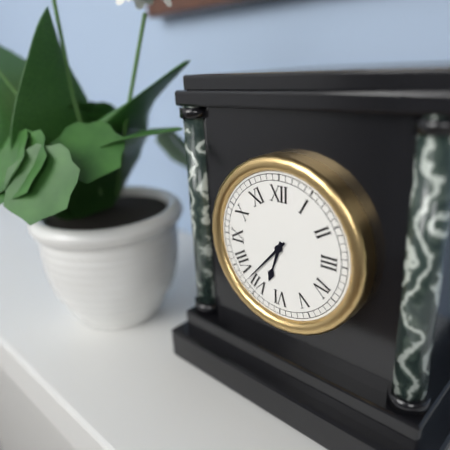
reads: 6,37
